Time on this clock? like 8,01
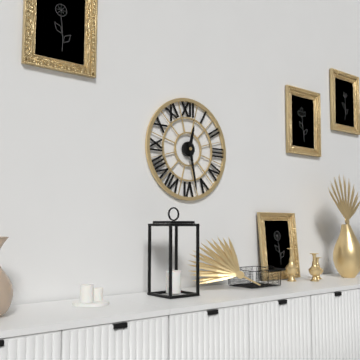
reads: 12,28
